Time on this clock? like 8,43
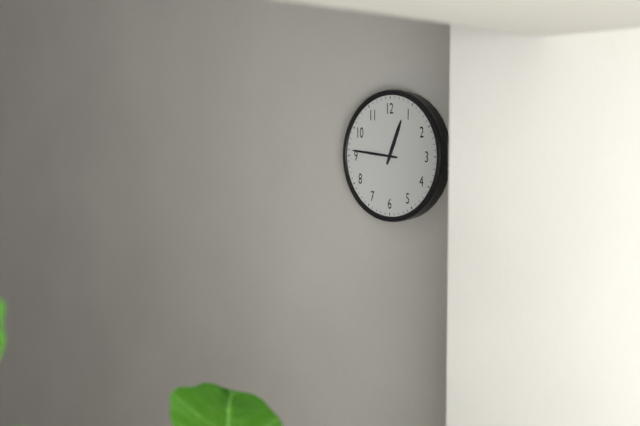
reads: 12,46
